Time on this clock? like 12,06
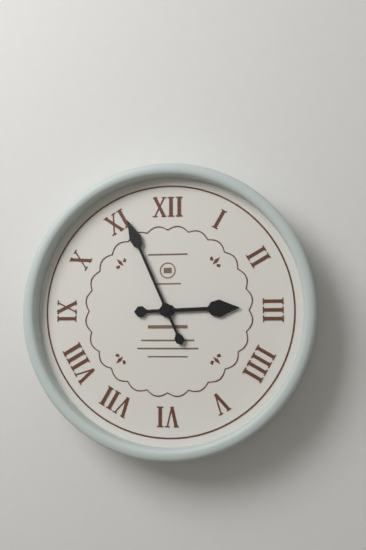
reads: 2,56
